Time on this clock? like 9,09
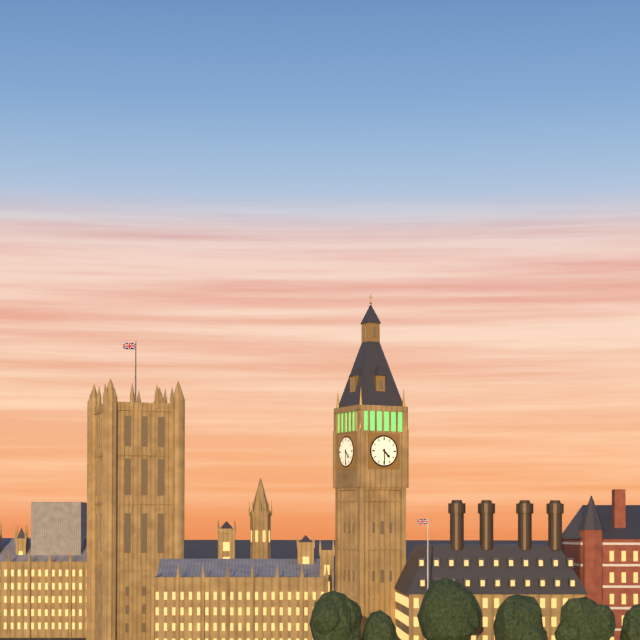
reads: 4,30
